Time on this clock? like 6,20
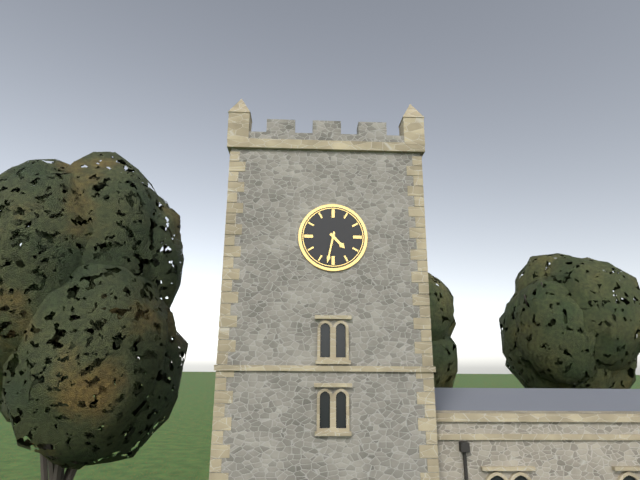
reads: 4,32
